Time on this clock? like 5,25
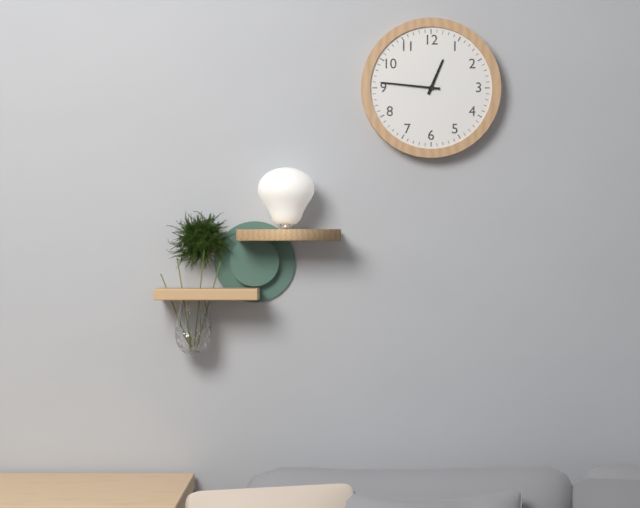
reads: 12,46
